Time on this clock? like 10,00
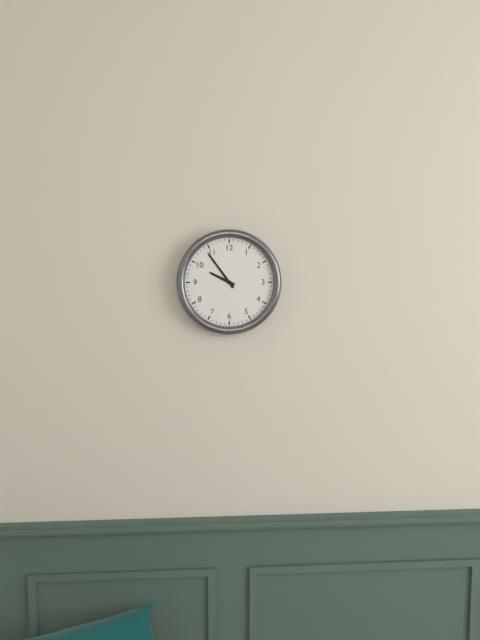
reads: 9,54
